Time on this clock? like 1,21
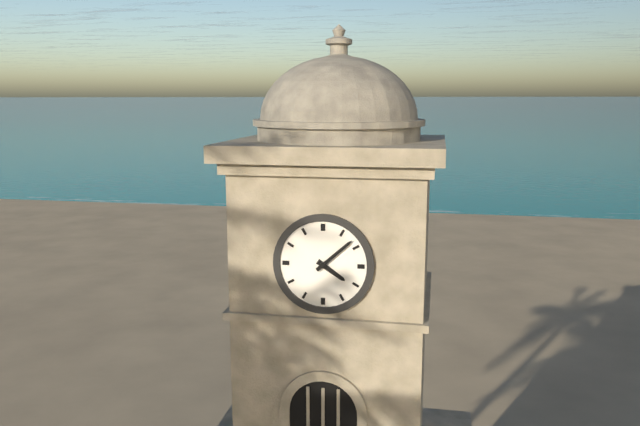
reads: 4,08
